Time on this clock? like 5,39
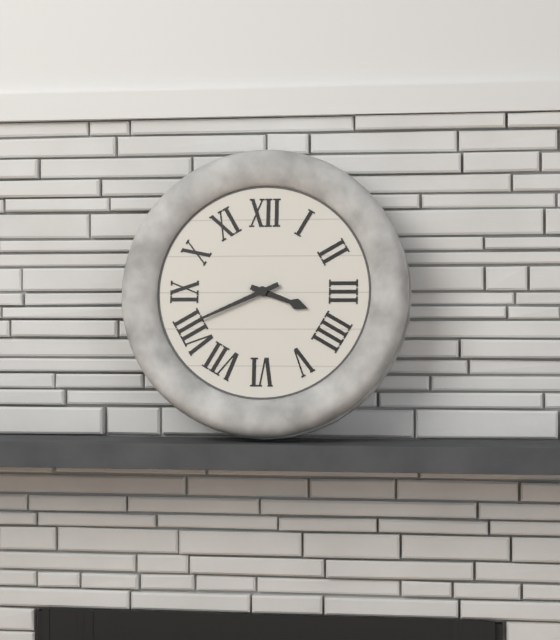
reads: 3,41
